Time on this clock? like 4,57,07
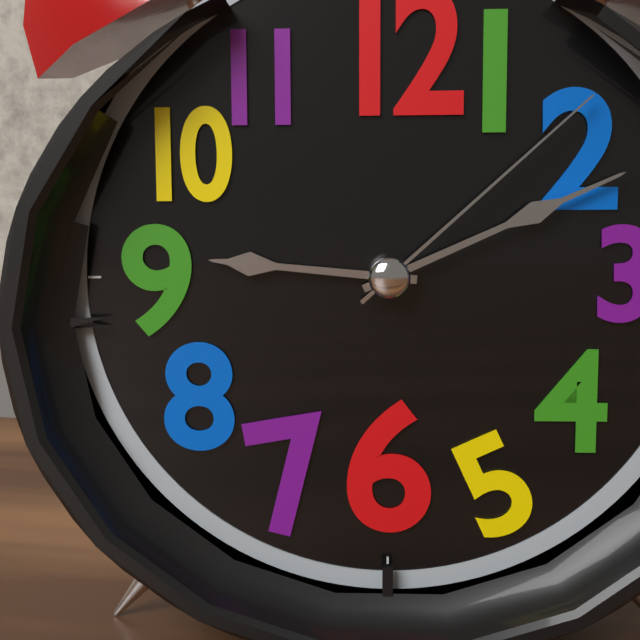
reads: 9,11,08
